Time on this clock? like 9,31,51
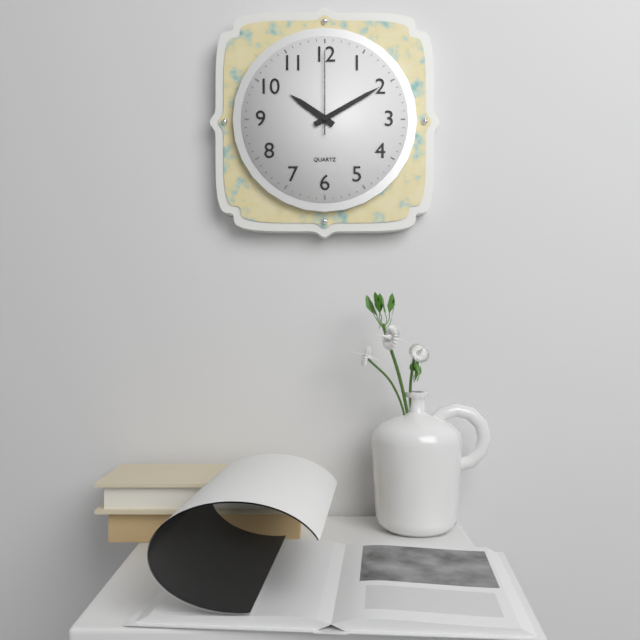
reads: 10,10,00
